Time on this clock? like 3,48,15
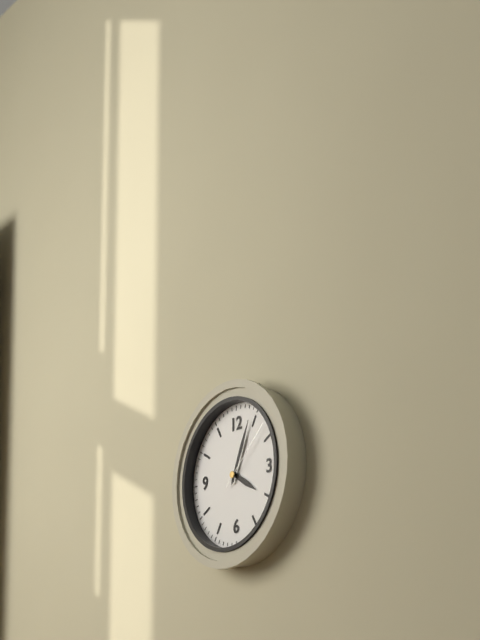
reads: 4,04,08
